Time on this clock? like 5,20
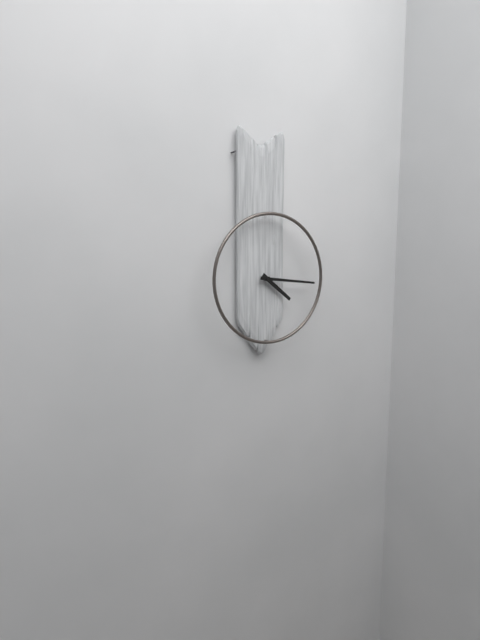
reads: 4,16
